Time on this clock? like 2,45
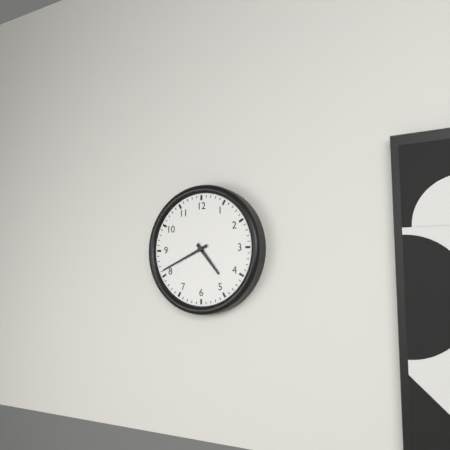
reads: 4,41
